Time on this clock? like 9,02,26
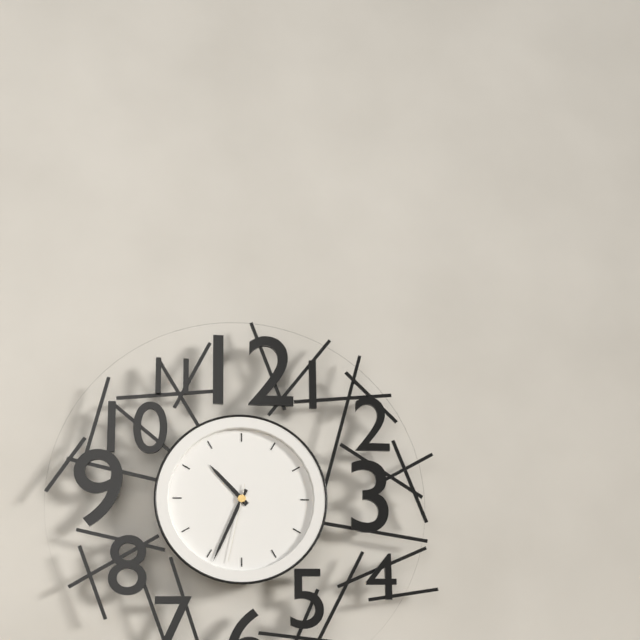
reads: 10,34,32
